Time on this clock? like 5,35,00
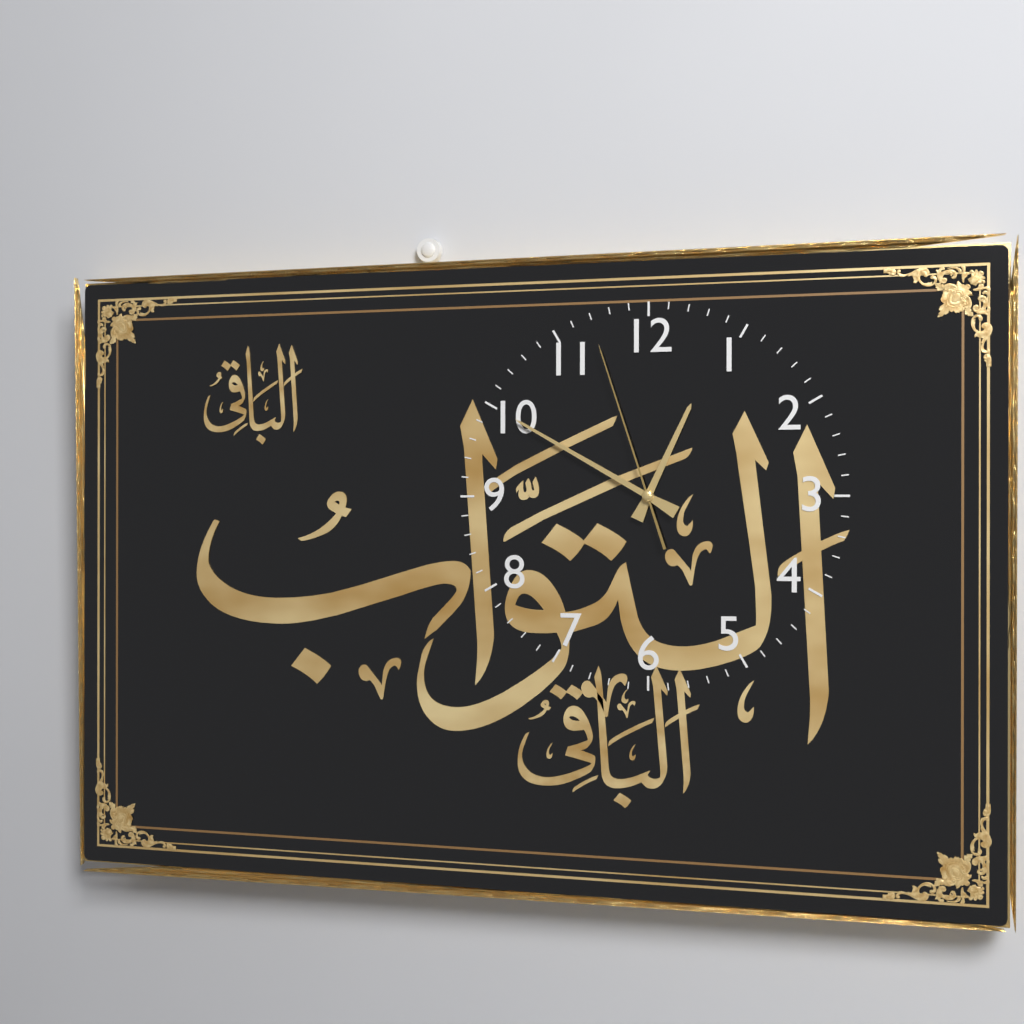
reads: 12,50,57
